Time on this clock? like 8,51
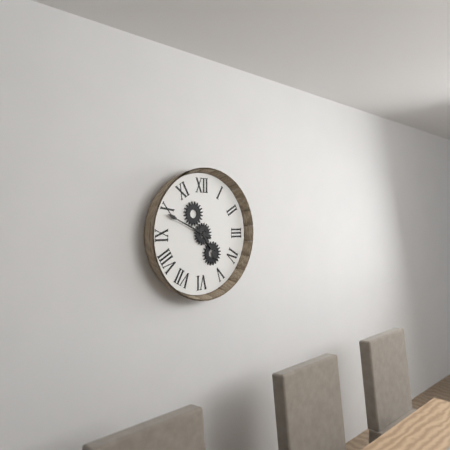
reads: 4,49
